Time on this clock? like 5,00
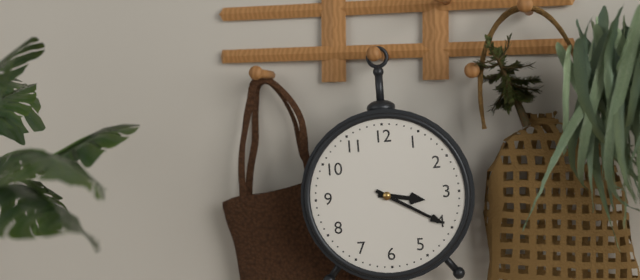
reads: 3,20
